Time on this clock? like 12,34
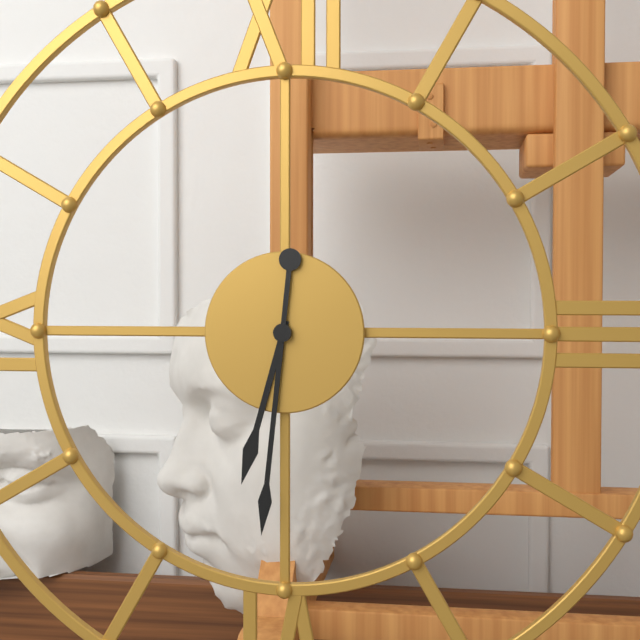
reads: 6,31
